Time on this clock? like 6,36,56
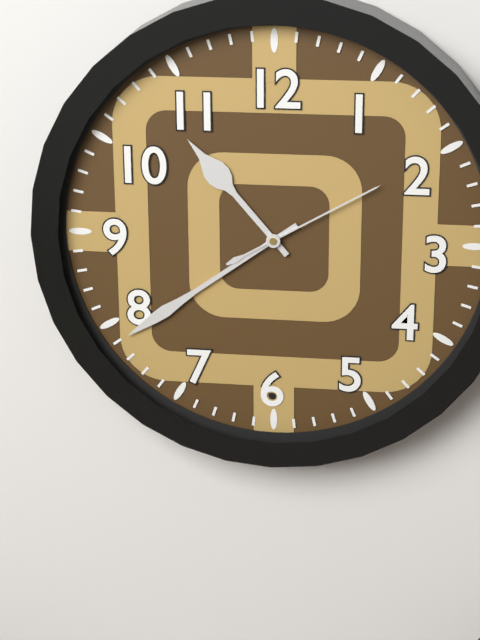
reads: 10,39,10
